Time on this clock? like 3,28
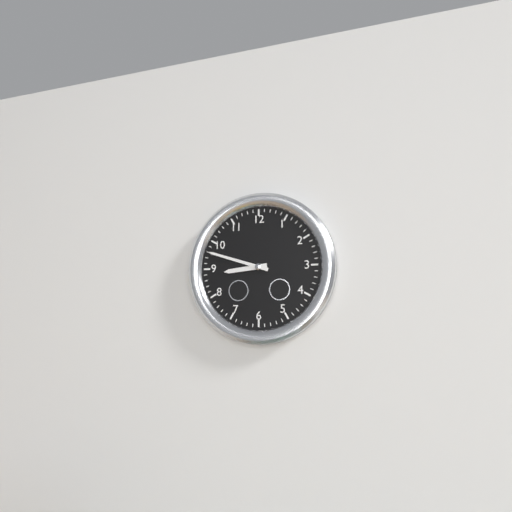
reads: 8,48
